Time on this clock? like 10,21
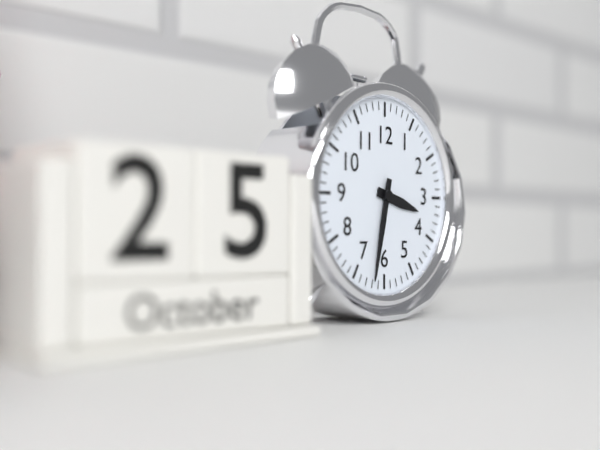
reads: 3,32
